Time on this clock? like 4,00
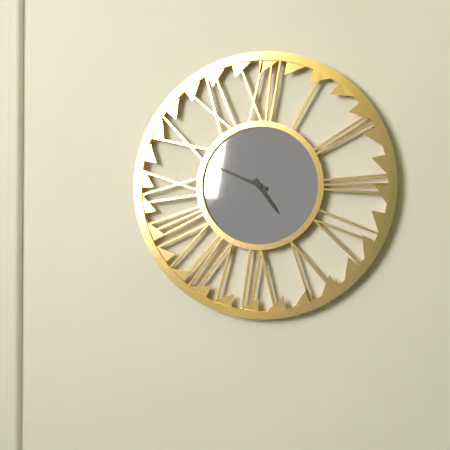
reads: 4,49
